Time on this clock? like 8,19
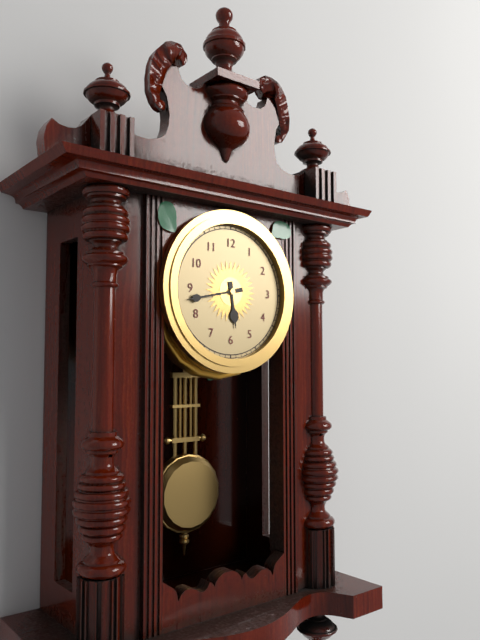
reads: 5,43
